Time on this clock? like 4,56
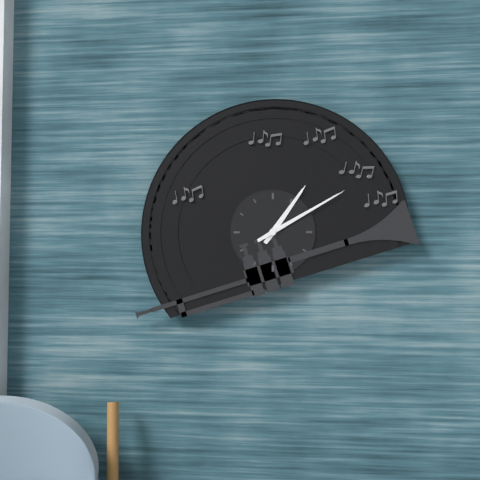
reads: 1,10
